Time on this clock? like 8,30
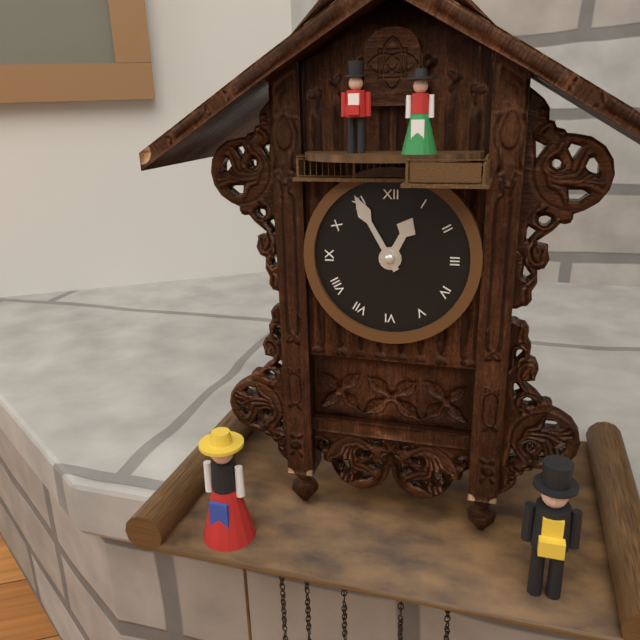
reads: 12,55
